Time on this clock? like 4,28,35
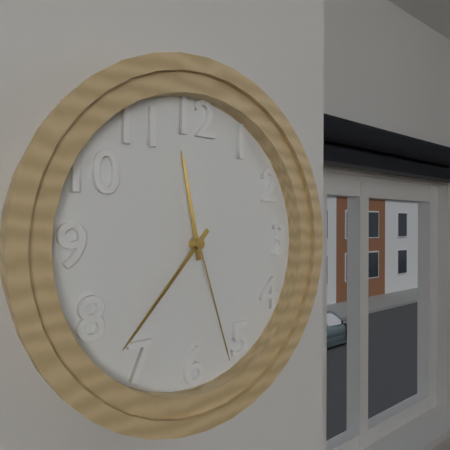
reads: 11,37,27
